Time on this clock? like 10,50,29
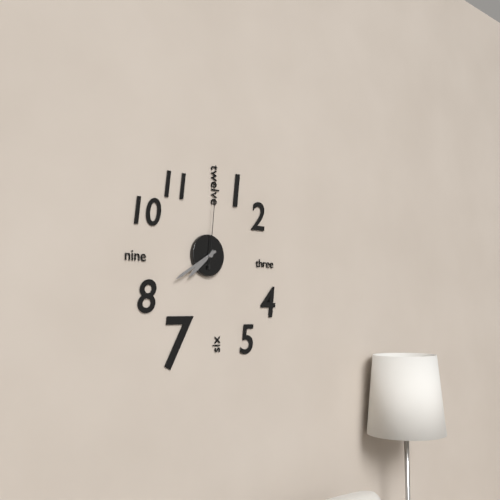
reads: 7,40,01
